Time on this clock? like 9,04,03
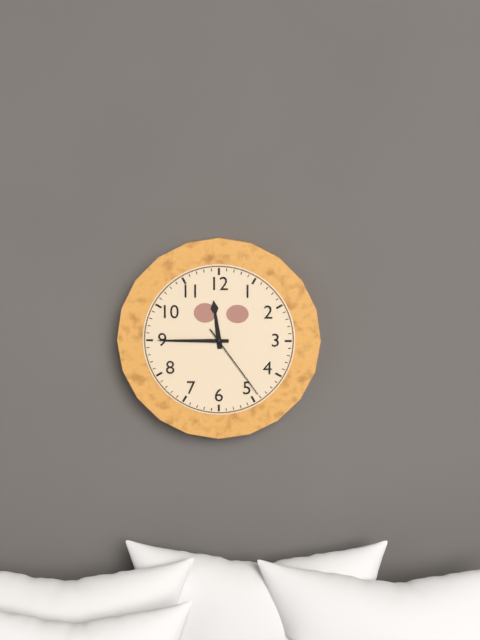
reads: 11,45,24
